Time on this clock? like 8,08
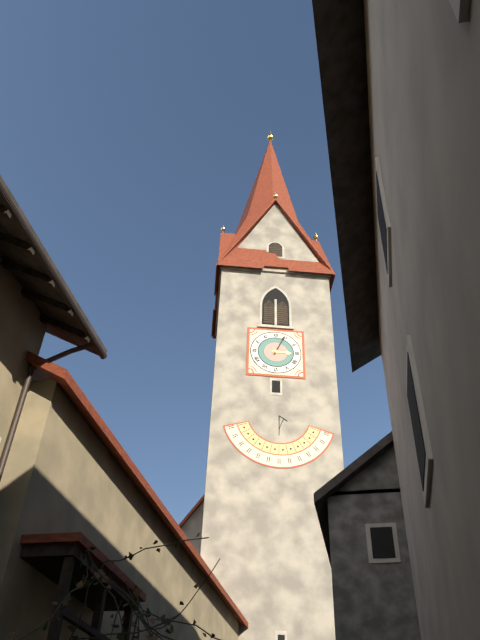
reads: 3,04
